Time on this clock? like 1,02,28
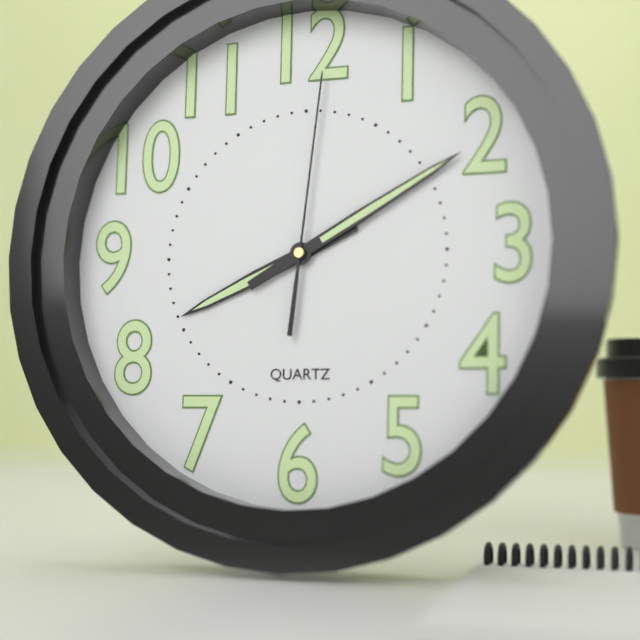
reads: 8,10,01
